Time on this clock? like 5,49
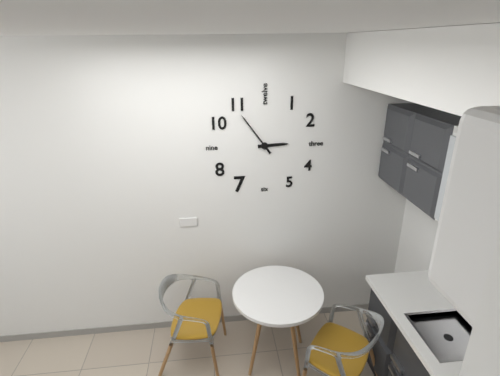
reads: 2,54
